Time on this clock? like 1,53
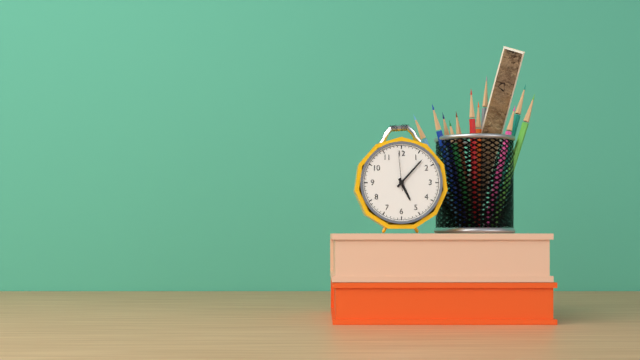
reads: 5,07
